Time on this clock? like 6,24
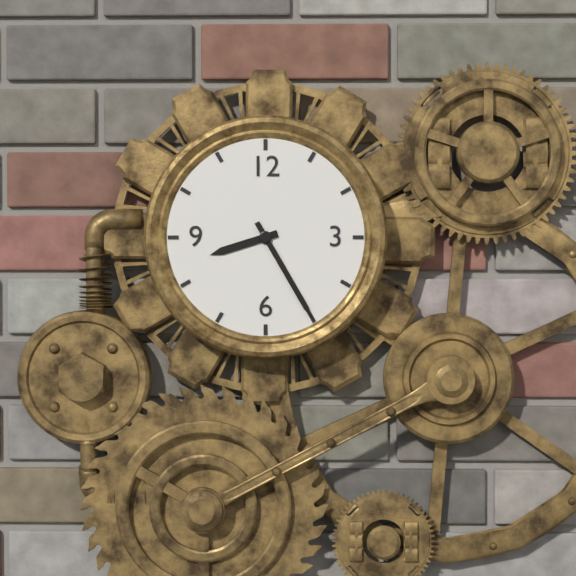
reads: 8,25
